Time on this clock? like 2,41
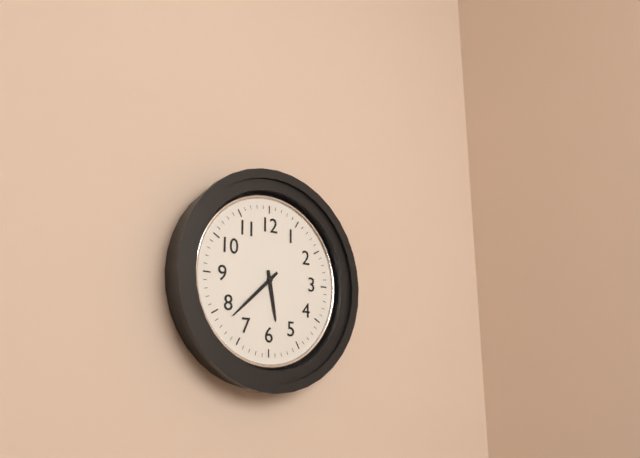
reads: 5,38
